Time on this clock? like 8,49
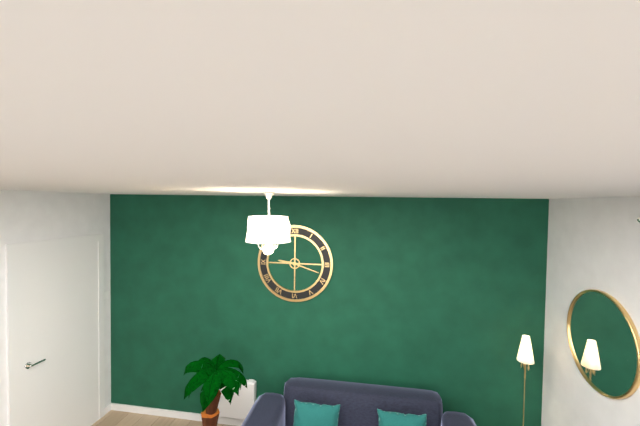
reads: 9,18
